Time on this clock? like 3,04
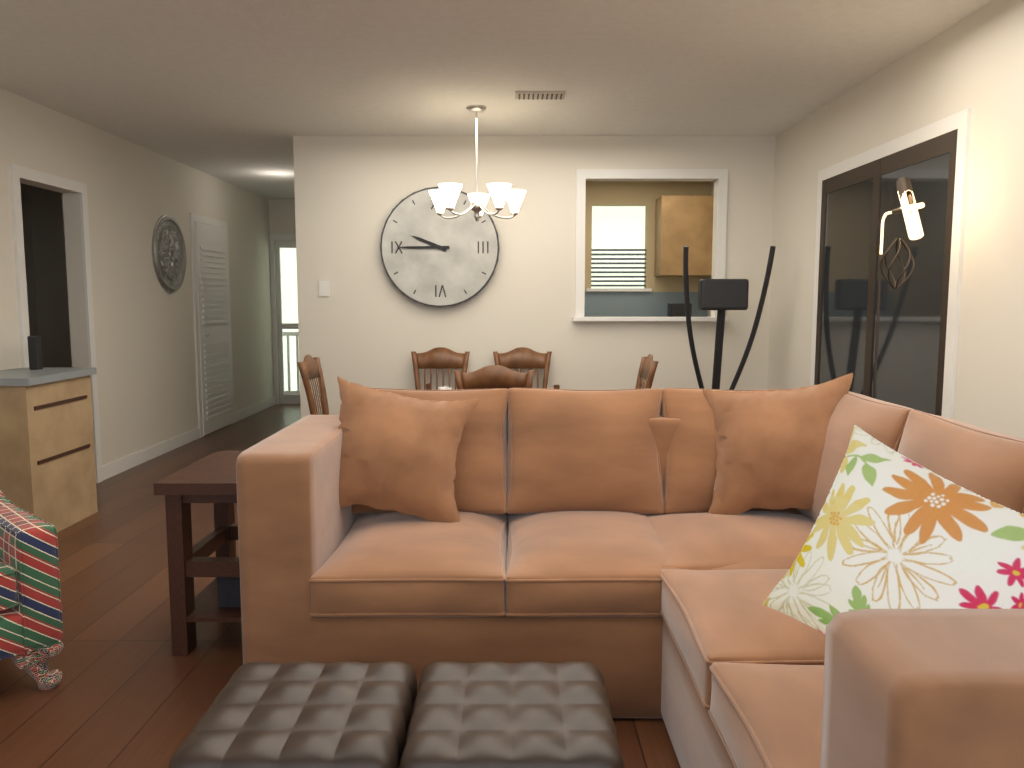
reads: 9,45
